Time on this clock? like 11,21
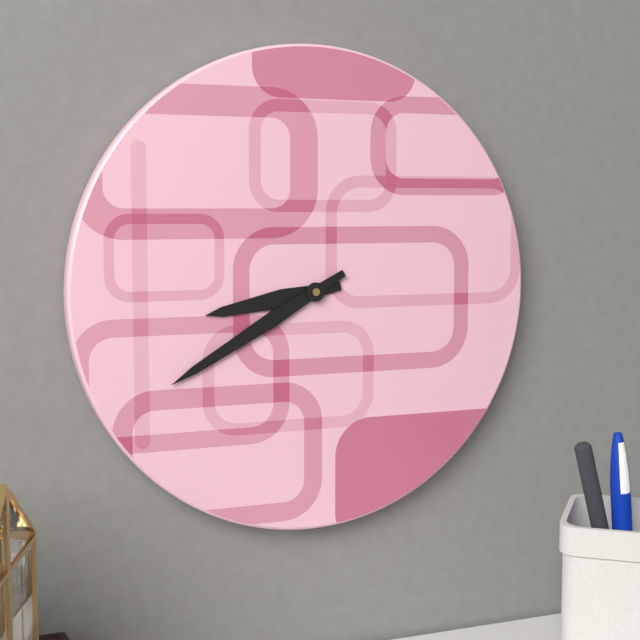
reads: 8,40
